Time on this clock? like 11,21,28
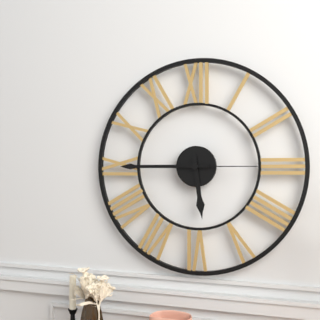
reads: 5,45,15
